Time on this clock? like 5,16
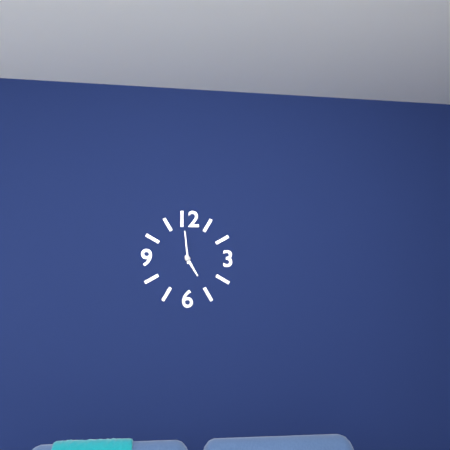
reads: 4,59
